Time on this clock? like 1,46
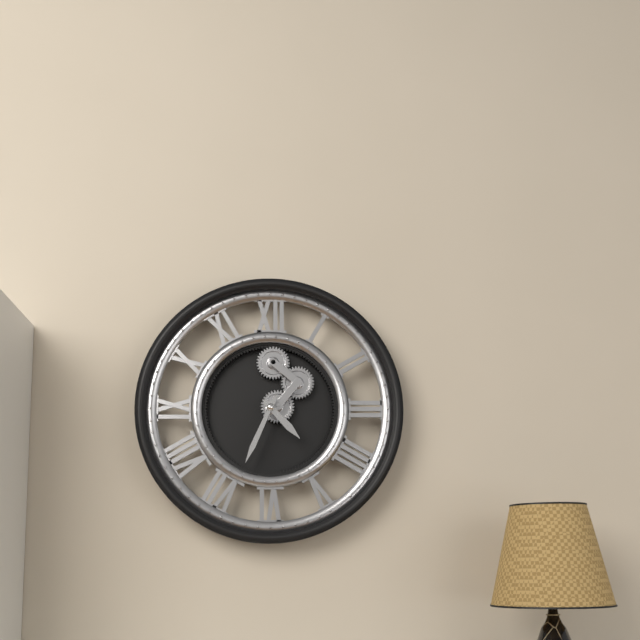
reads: 4,34
